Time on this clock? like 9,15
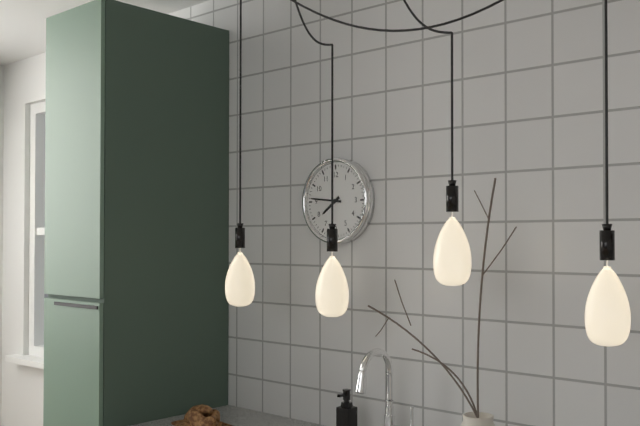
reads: 7,46
